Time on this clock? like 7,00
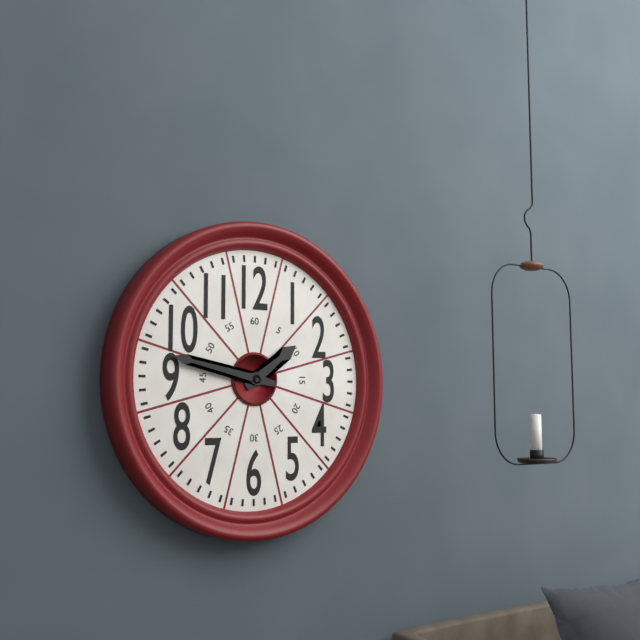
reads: 1,47
